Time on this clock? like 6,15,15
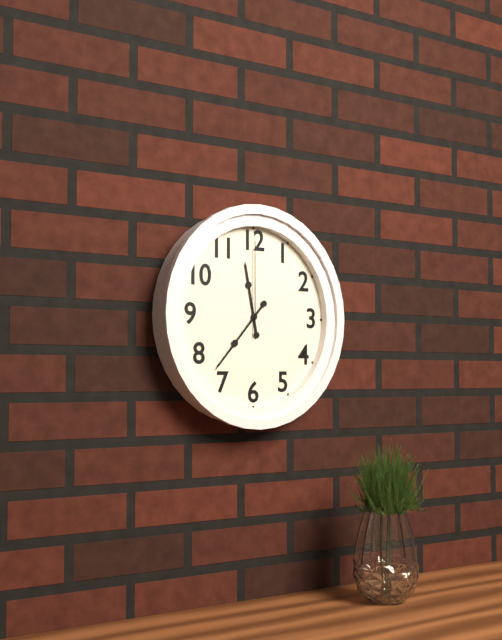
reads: 11,37,00
